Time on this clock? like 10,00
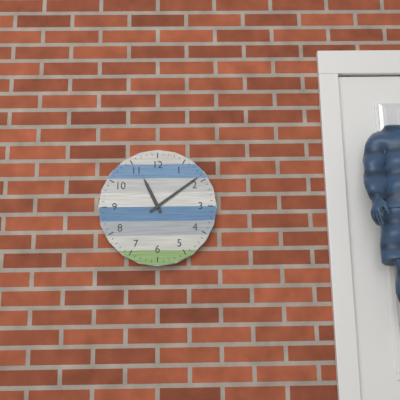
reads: 11,09
